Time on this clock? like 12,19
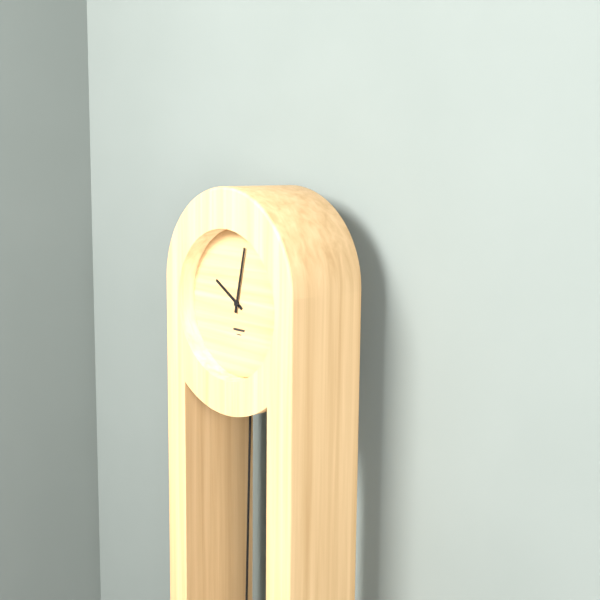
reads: 10,02
